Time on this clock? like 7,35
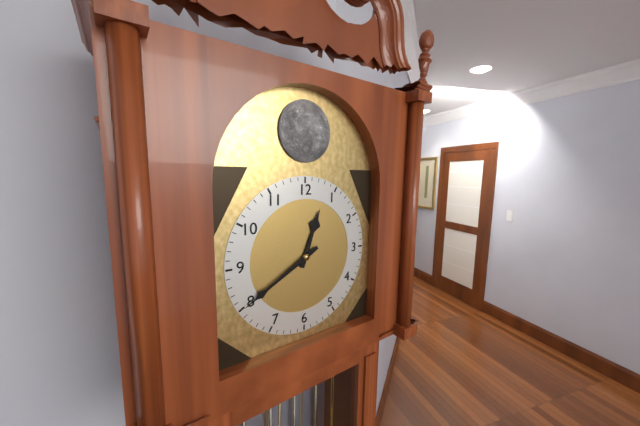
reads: 12,40
